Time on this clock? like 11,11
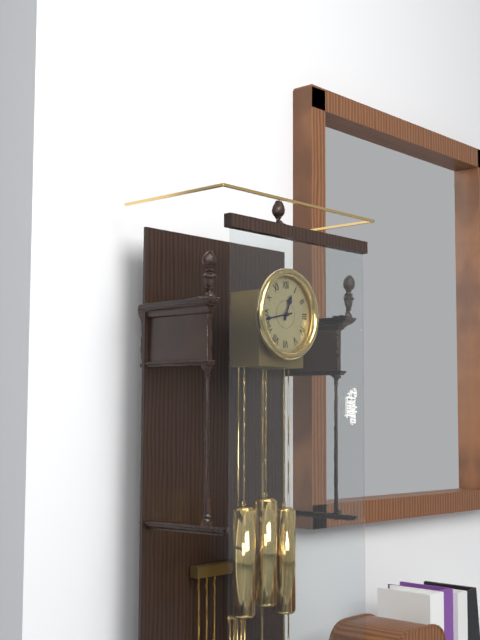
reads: 12,43
